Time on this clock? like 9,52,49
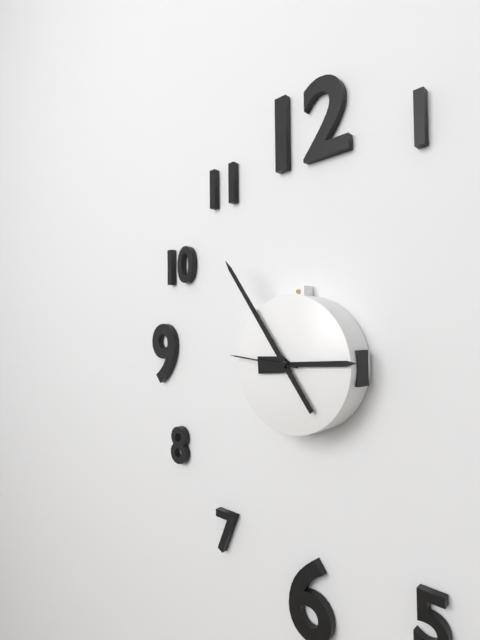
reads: 2,54,46
